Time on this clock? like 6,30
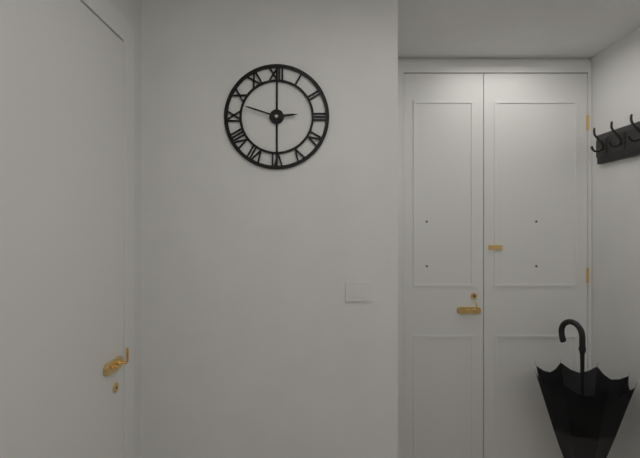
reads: 2,48
